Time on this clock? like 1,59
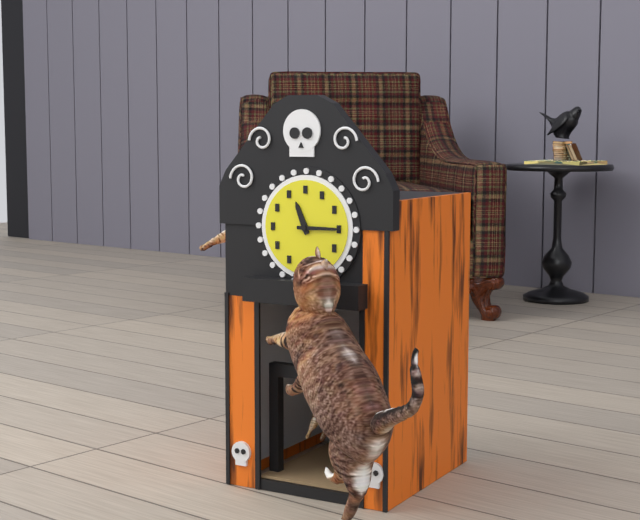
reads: 11,15
